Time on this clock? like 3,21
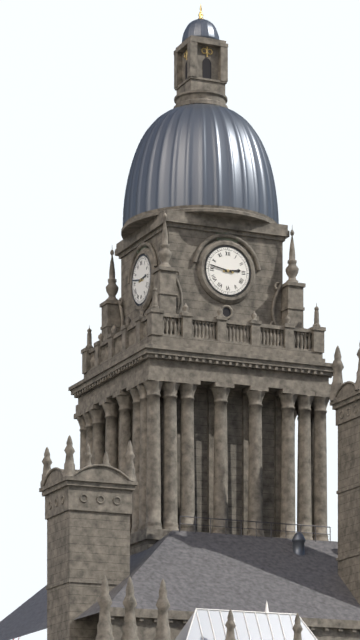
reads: 2,47
